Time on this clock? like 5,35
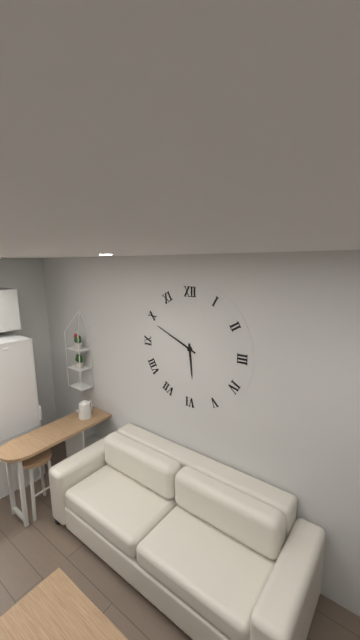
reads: 5,49
